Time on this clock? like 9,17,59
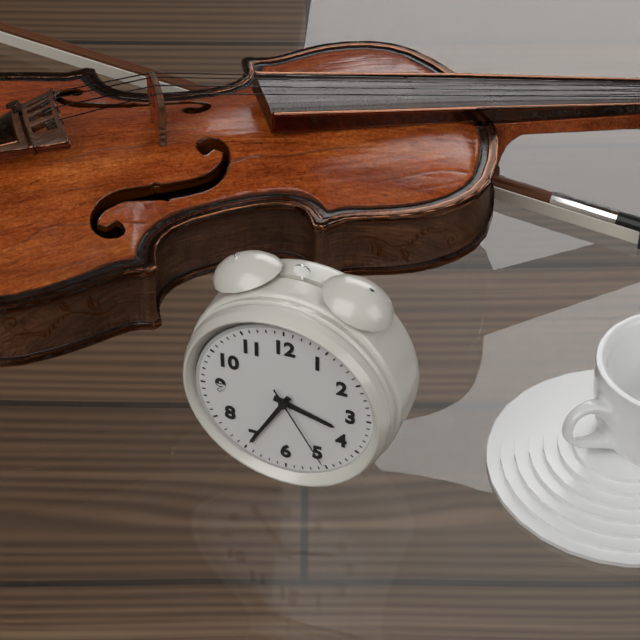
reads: 3,35,25
